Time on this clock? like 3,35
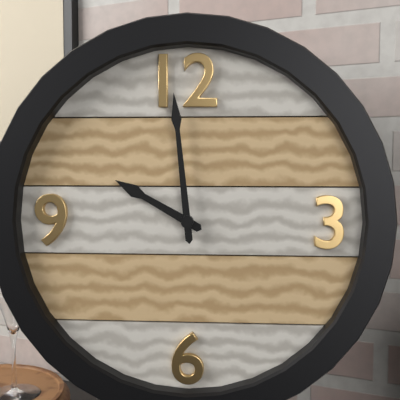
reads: 9,59
